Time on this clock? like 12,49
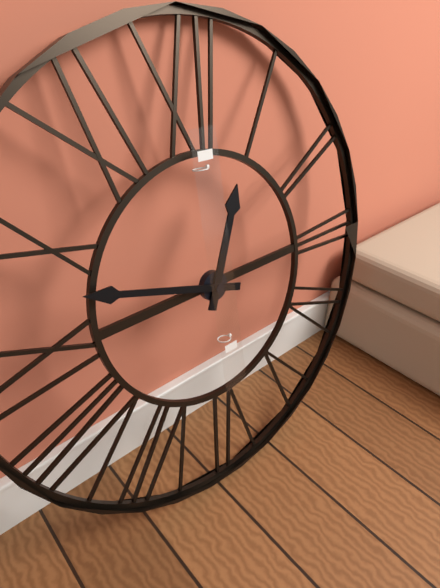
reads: 12,48
